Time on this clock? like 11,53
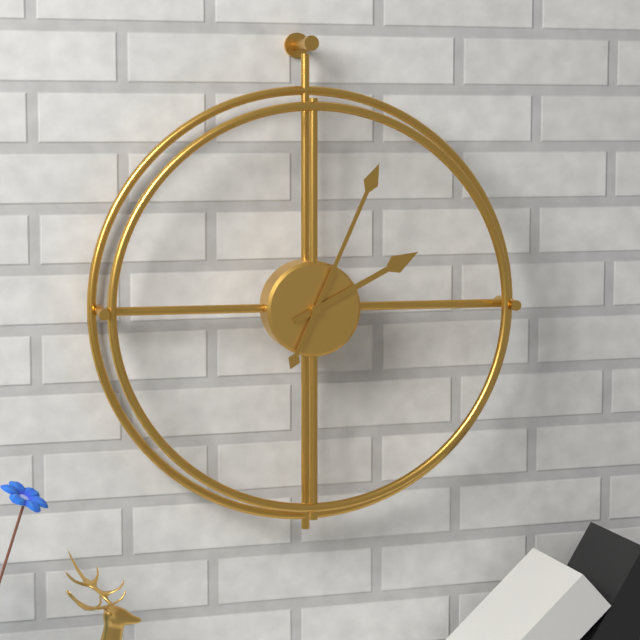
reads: 2,04
